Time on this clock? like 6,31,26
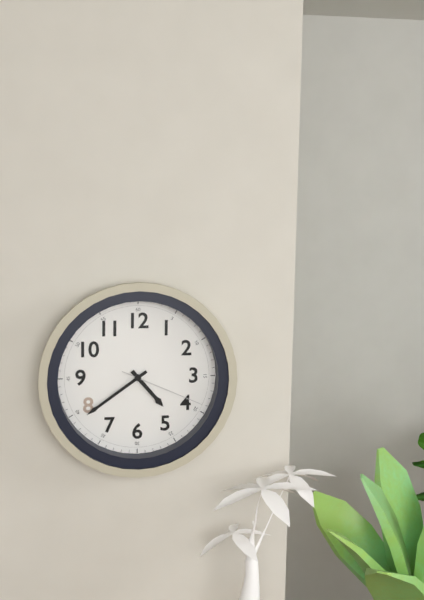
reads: 4,39,19
